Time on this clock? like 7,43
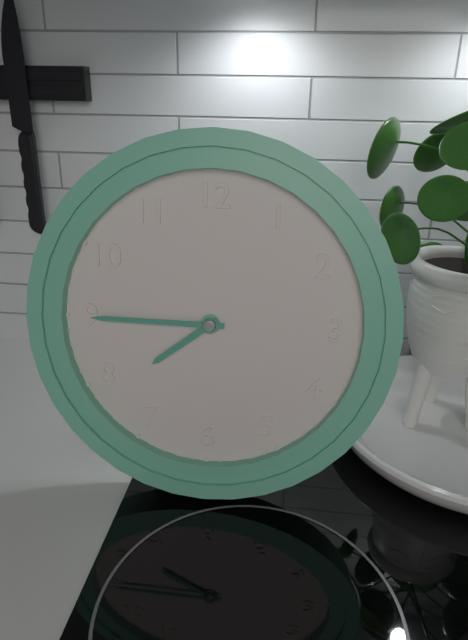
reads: 7,45
